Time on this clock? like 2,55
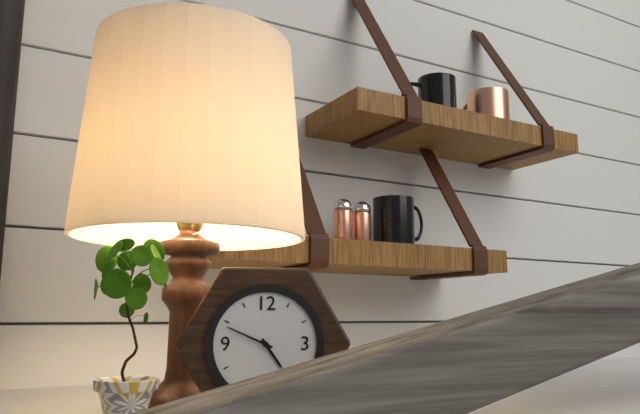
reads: 4,49
